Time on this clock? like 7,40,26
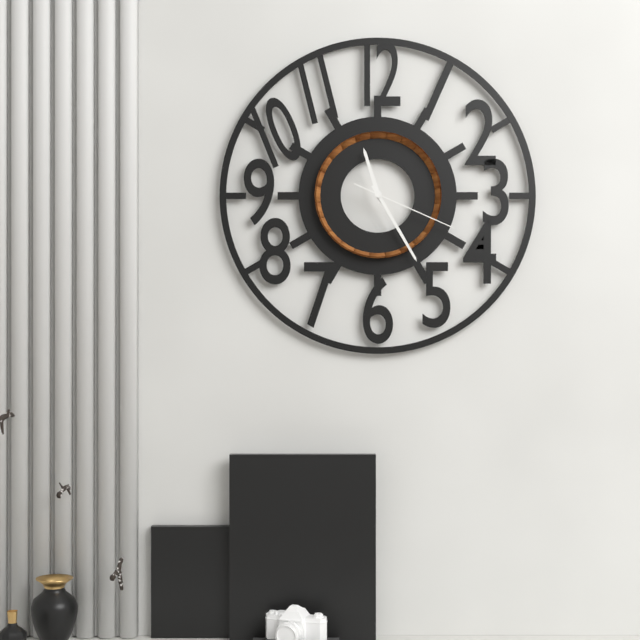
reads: 11,25,19
